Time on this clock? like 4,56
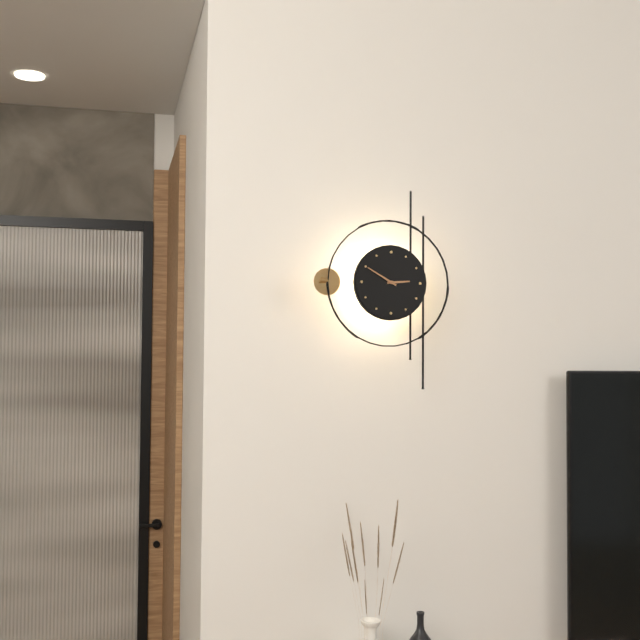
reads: 2,50
